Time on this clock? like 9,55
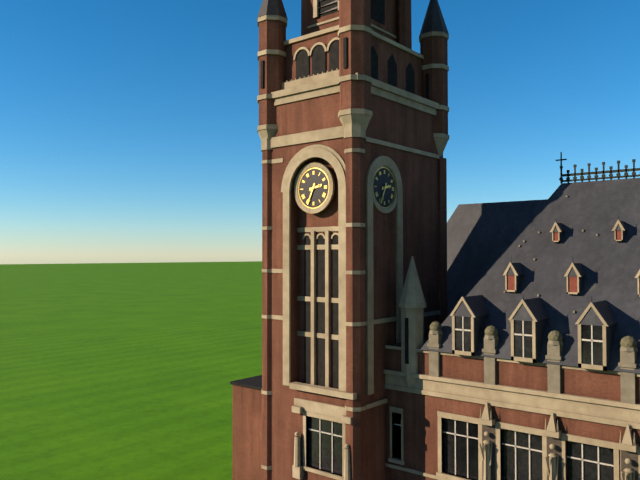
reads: 2,34
